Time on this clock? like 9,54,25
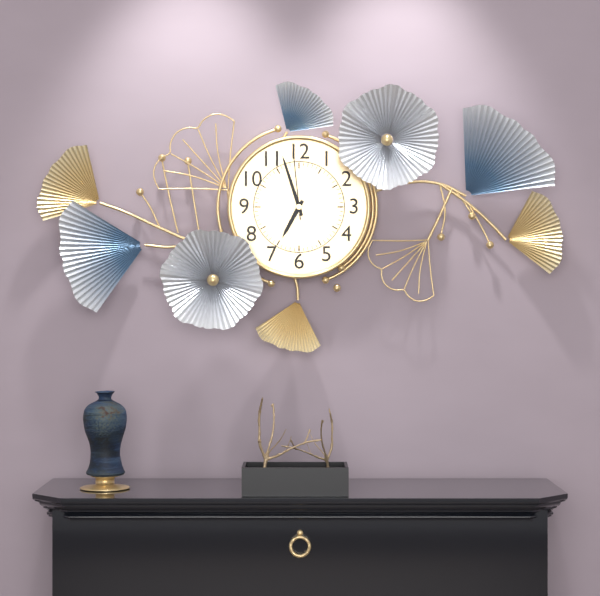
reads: 6,57,59
